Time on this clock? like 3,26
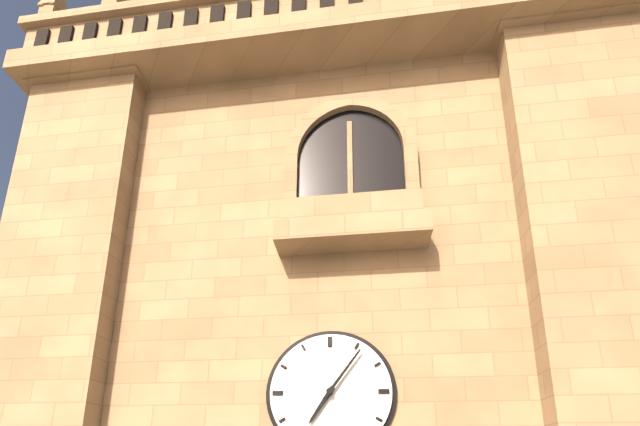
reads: 7,06
